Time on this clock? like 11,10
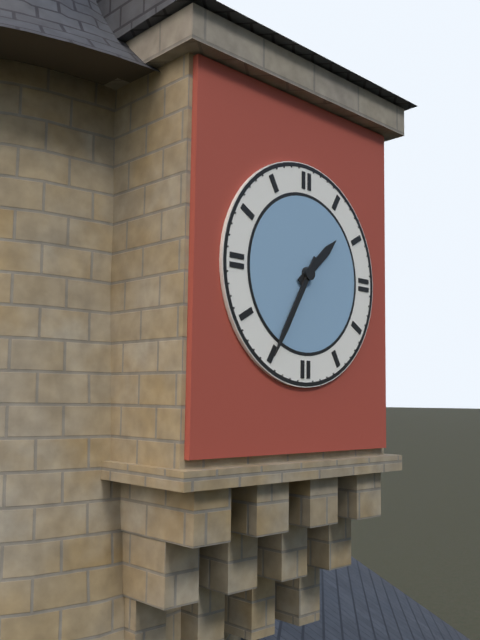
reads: 1,35
